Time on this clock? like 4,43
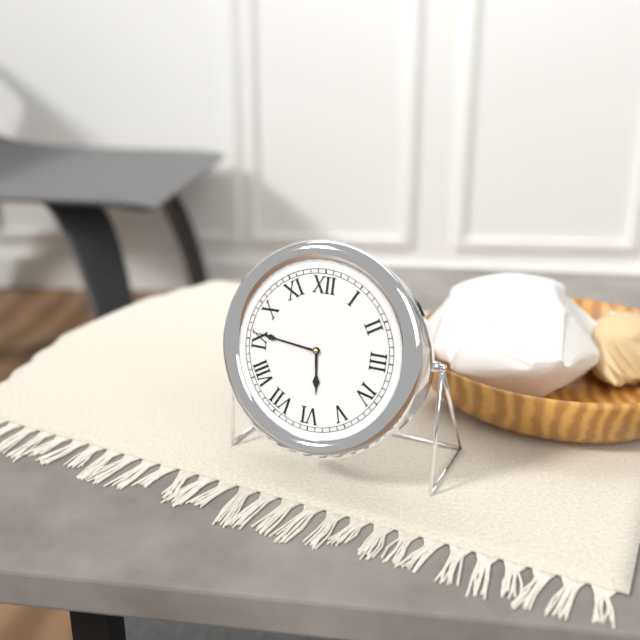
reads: 5,46
